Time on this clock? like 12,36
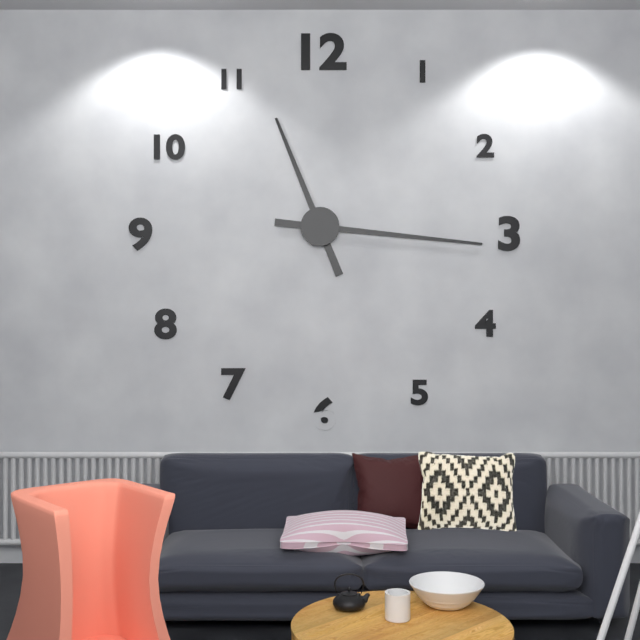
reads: 11,16
